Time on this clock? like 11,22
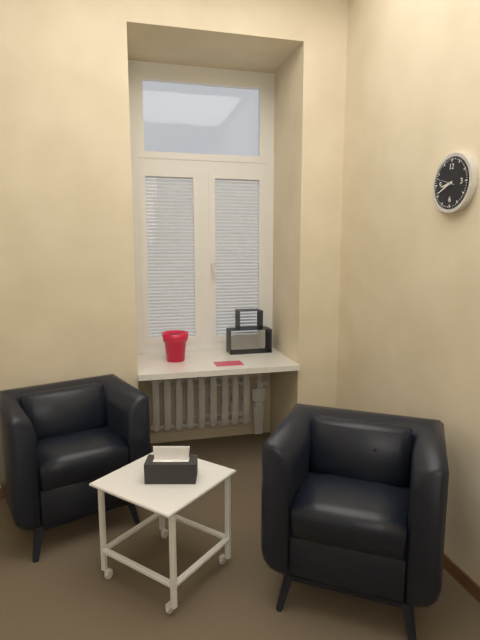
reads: 8,41
